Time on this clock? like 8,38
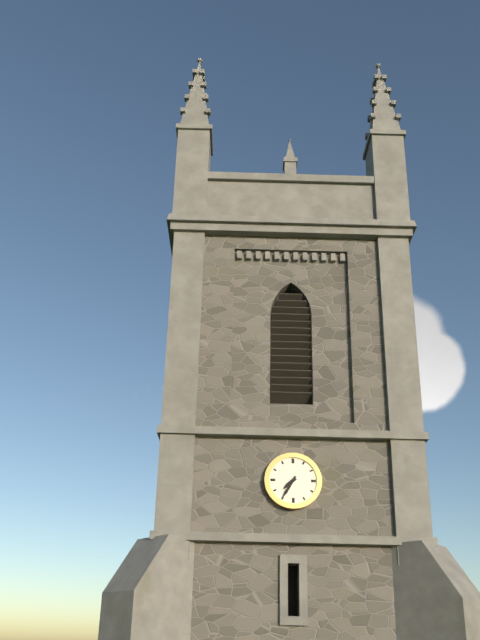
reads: 7,35
